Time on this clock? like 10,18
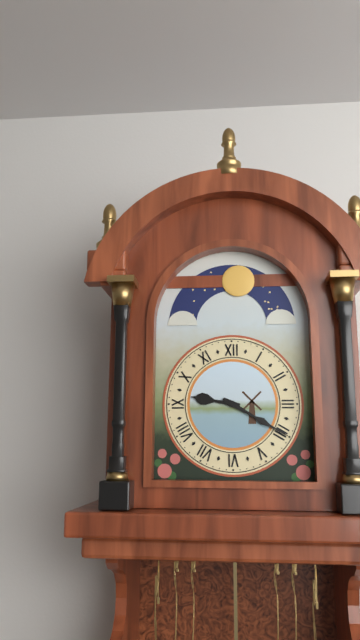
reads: 9,20
